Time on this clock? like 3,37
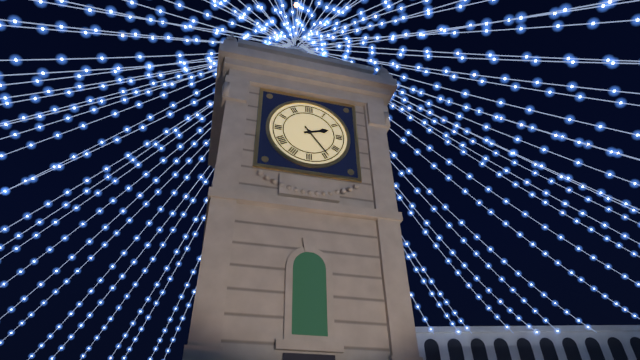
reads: 2,24
